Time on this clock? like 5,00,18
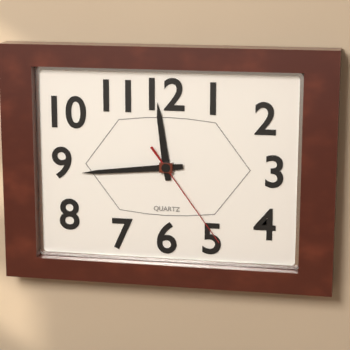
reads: 11,44,24
